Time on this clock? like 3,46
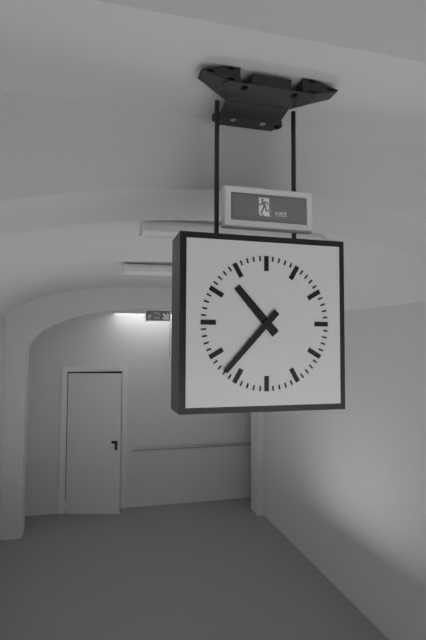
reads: 10,37
